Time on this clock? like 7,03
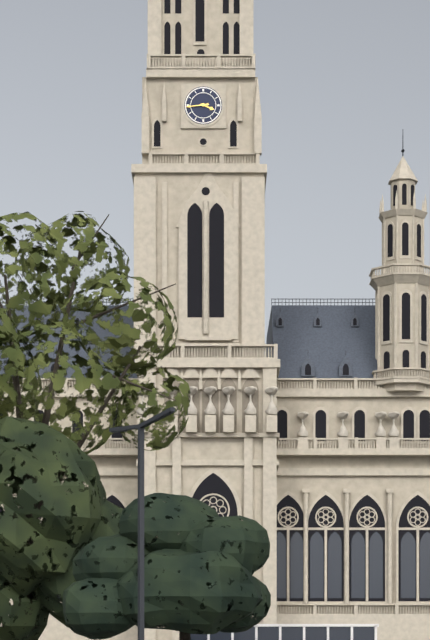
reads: 3,44
